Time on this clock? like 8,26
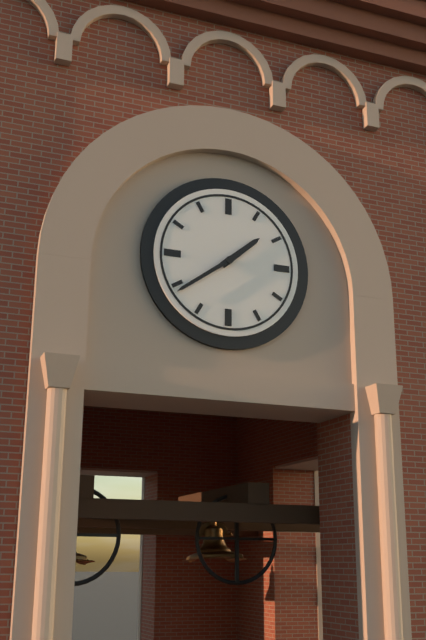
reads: 1,39
